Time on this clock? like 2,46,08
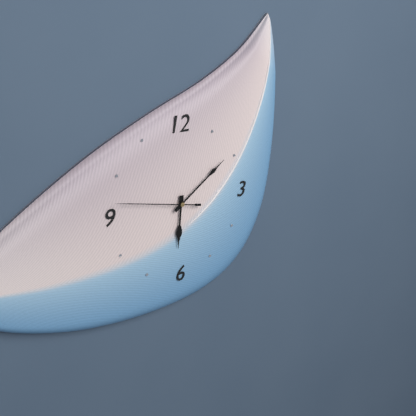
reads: 6,09,47
